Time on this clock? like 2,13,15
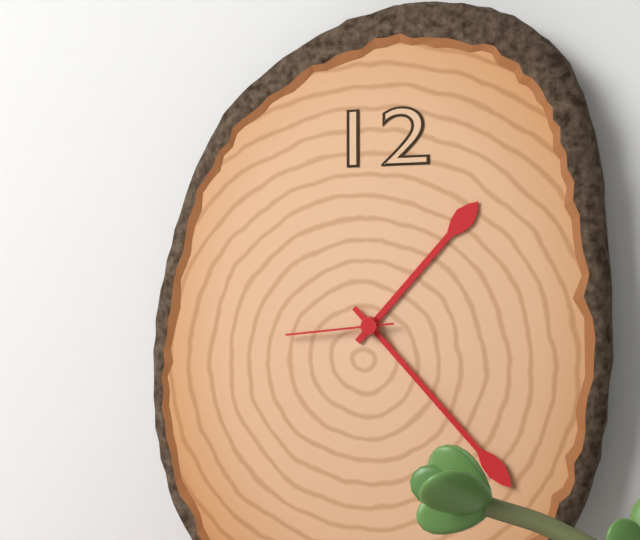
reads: 1,23,44
